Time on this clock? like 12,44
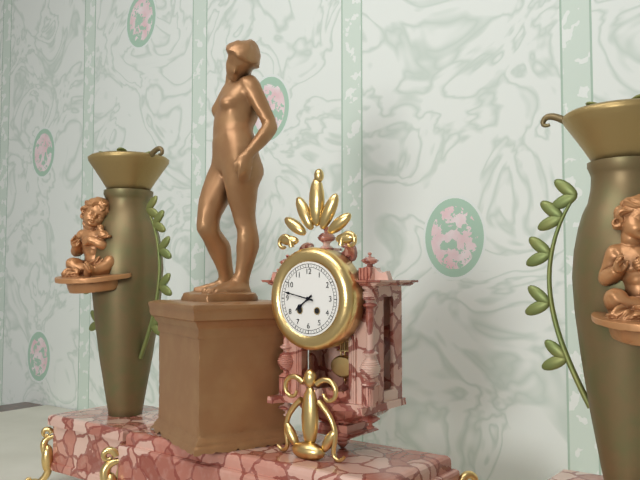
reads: 7,47
